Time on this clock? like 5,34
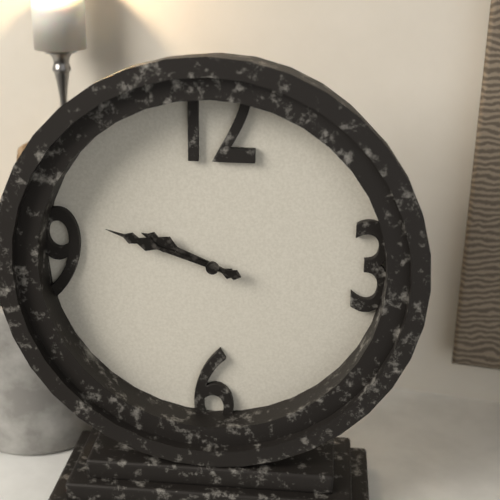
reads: 9,48
